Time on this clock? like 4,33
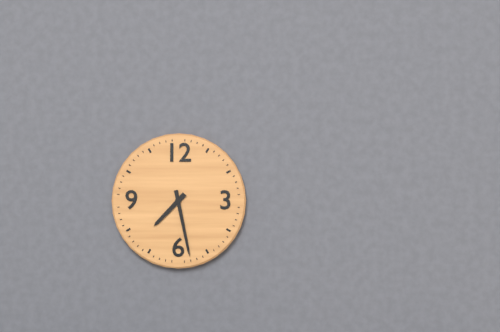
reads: 7,28
